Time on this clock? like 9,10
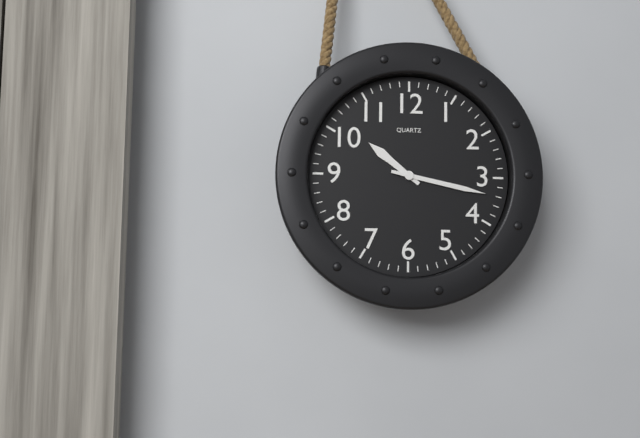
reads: 10,17
